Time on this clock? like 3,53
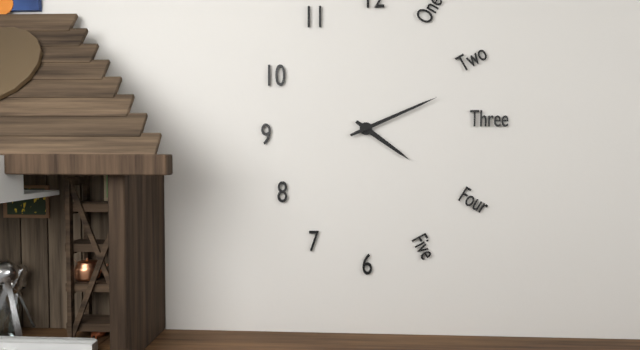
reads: 4,11
